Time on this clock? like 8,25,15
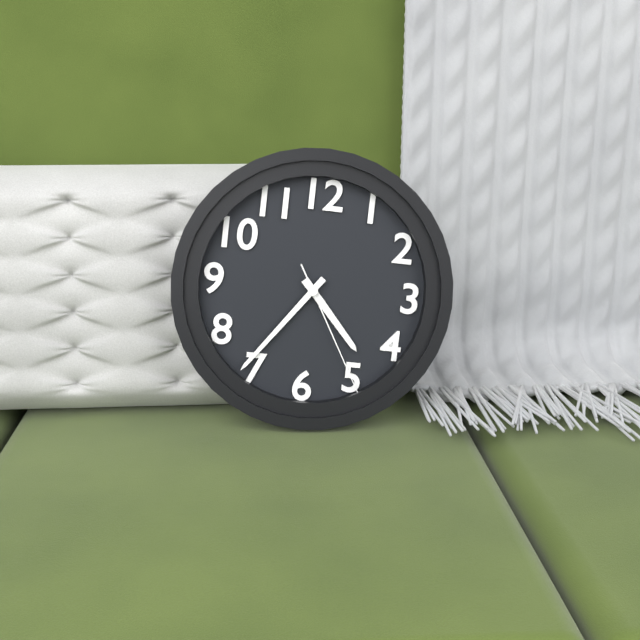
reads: 4,36,25
